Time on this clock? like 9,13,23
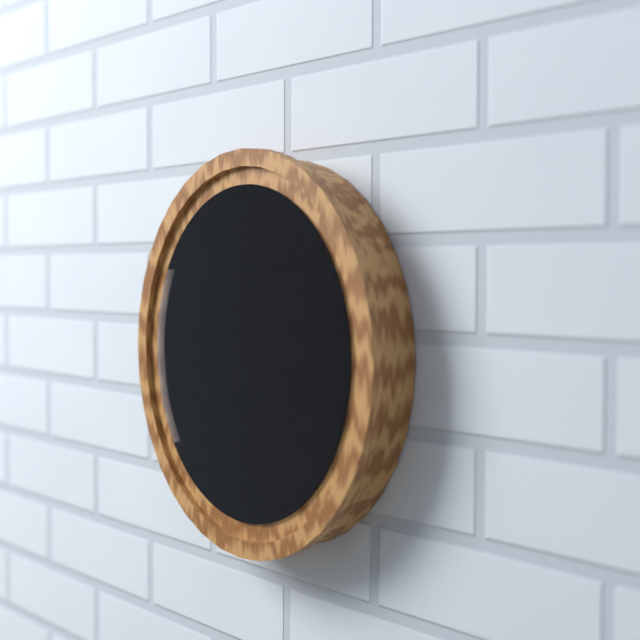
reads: 6,36,45
